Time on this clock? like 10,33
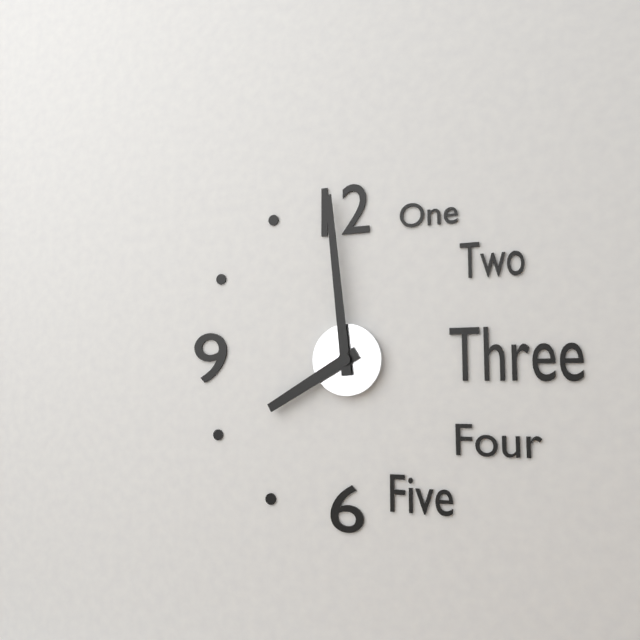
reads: 7,59
